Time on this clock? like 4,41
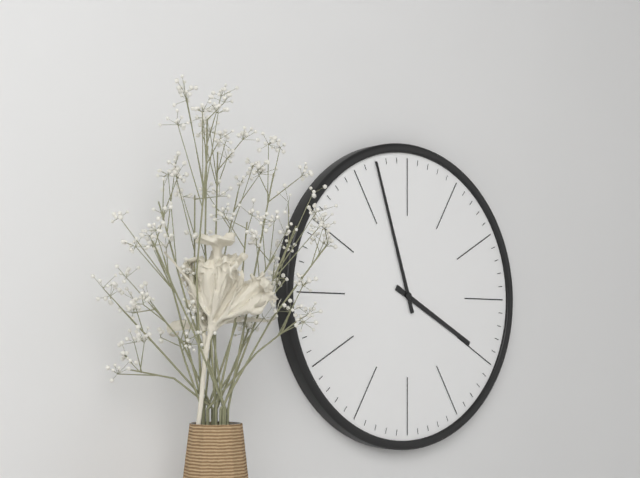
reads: 3,57
